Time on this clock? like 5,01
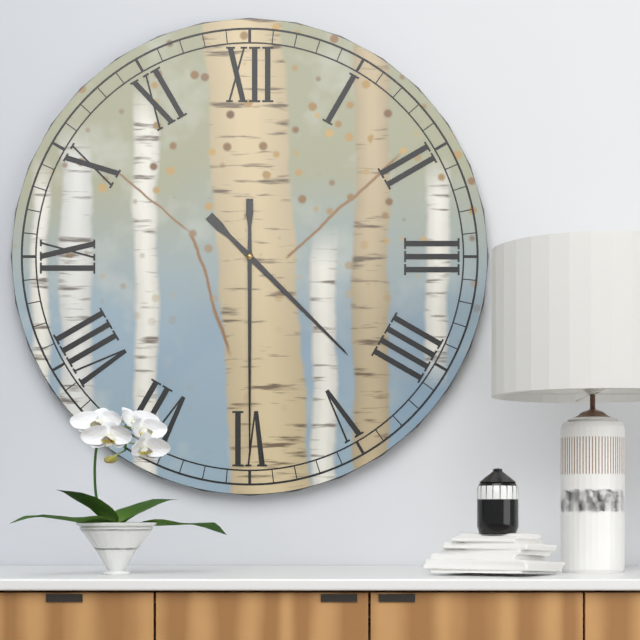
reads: 4,30
